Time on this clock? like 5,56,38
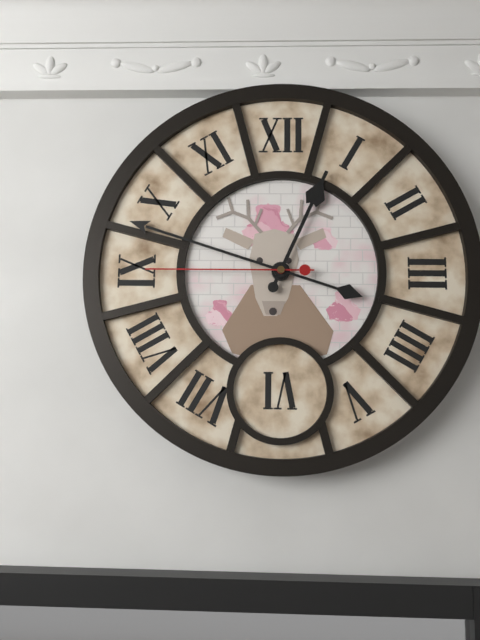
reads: 12,48,45
